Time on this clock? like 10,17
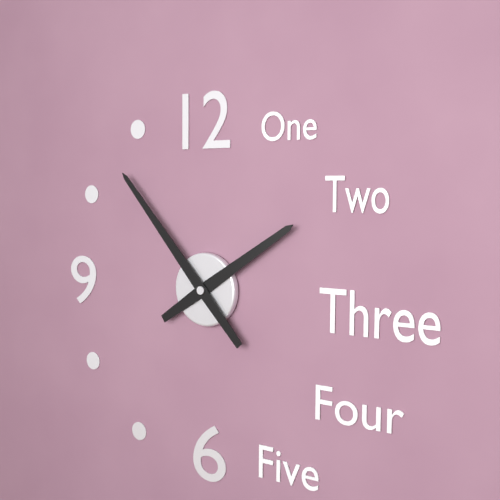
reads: 1,53
